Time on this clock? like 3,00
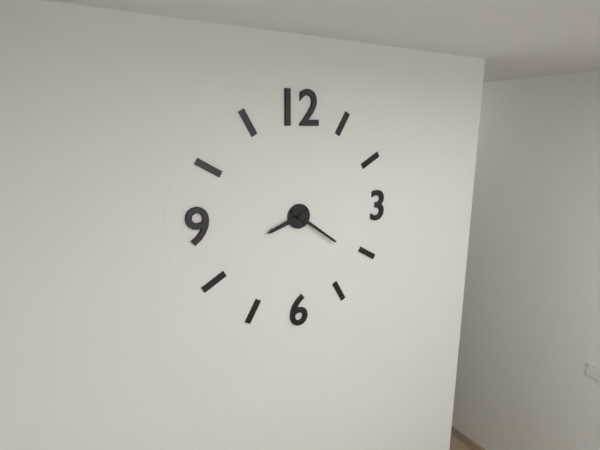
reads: 8,21
